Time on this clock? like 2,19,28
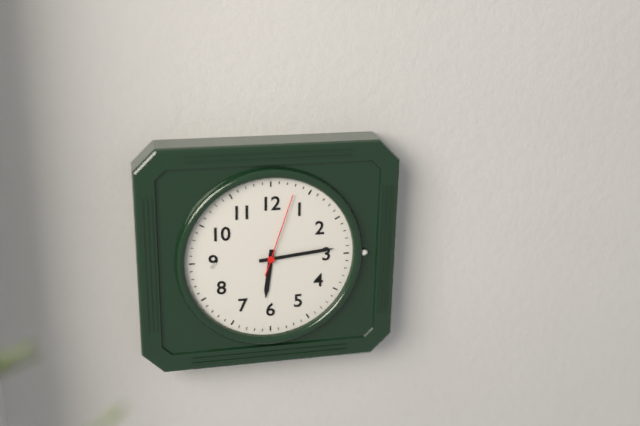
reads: 6,14,03
